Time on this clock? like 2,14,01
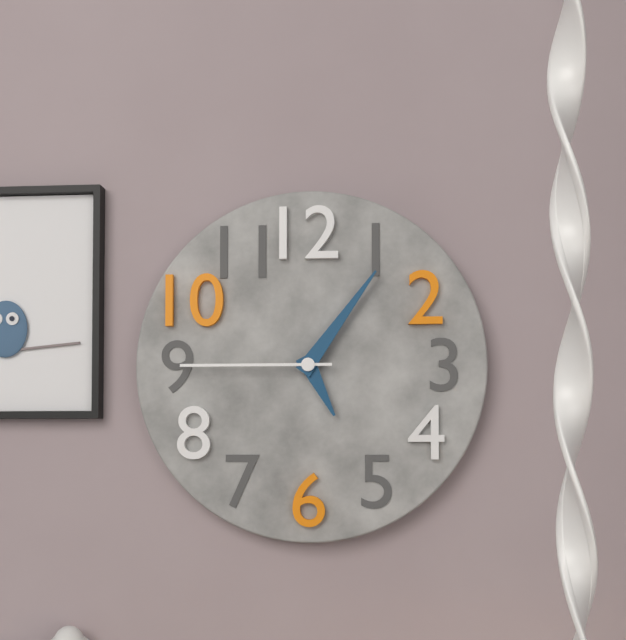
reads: 5,06,45
